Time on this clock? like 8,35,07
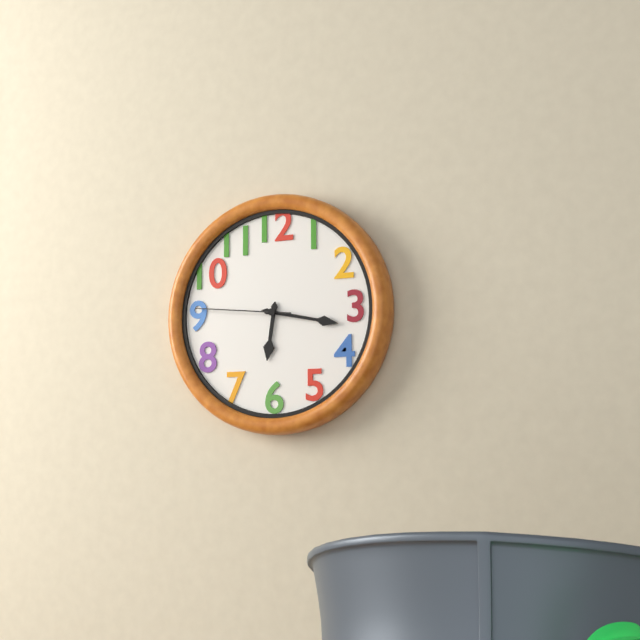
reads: 6,17,46
